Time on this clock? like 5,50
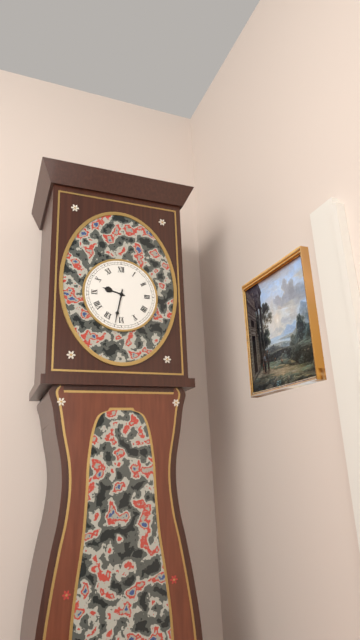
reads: 9,32
